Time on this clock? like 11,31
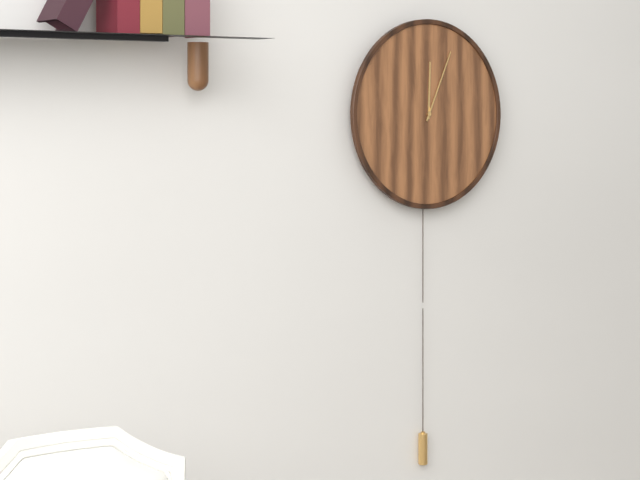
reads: 12,04
